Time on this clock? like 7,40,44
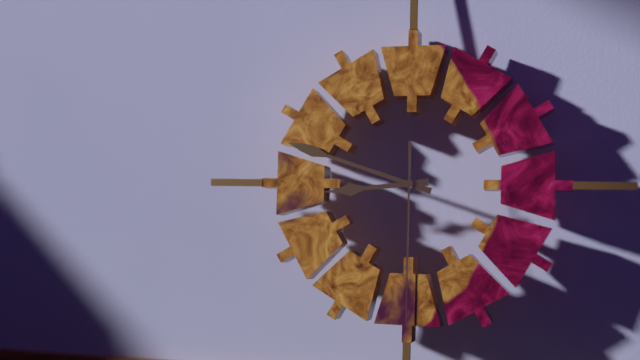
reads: 8,48,30
